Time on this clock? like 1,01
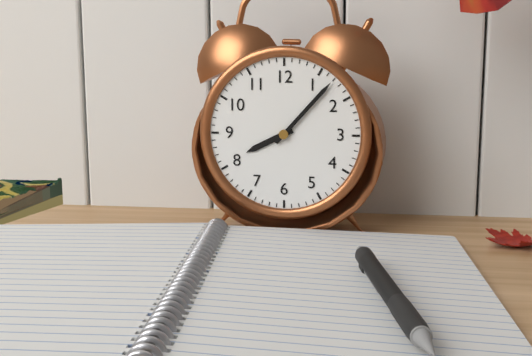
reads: 8,07
